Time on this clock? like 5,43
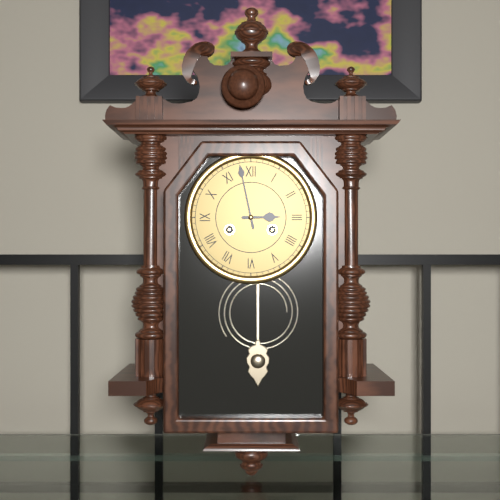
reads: 2,58
